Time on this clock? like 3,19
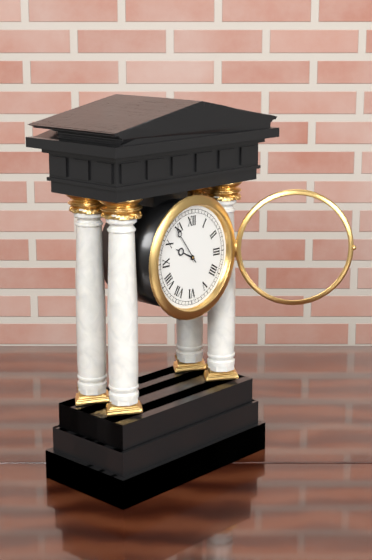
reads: 9,54
